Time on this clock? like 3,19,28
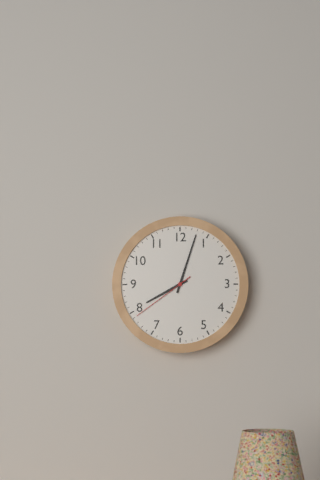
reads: 8,03,39
